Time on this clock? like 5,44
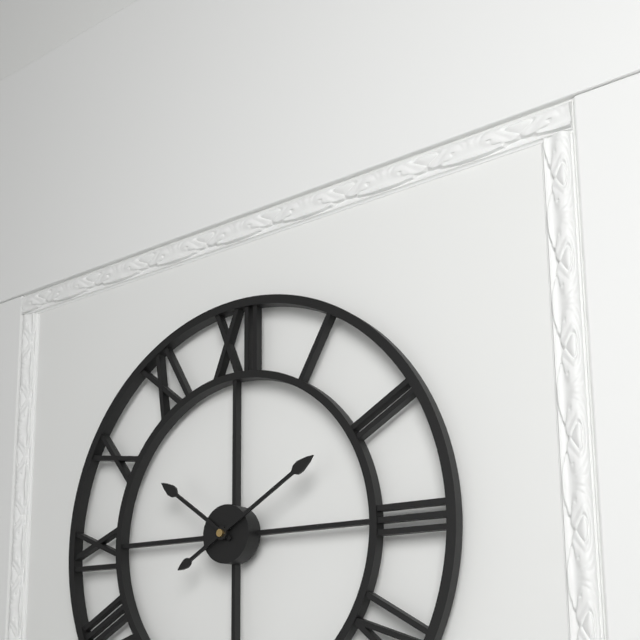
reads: 10,10
